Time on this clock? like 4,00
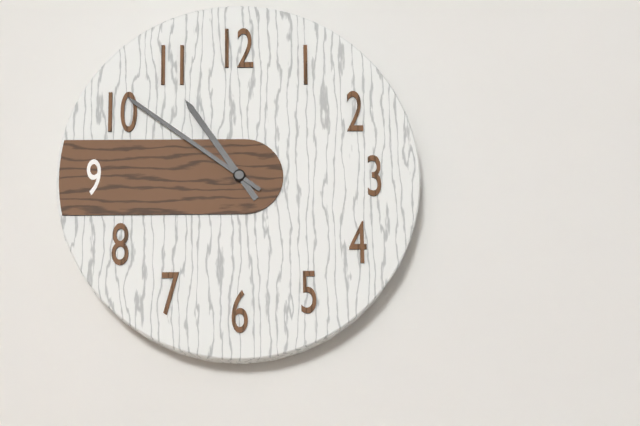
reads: 10,51
